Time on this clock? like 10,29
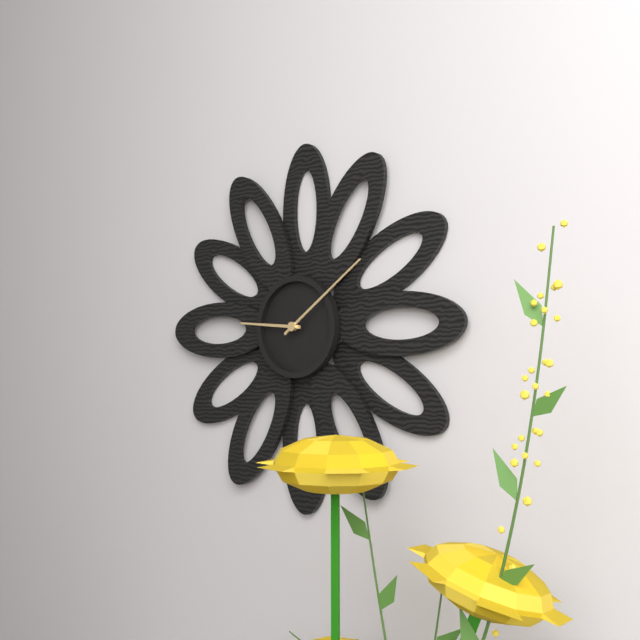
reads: 9,09
